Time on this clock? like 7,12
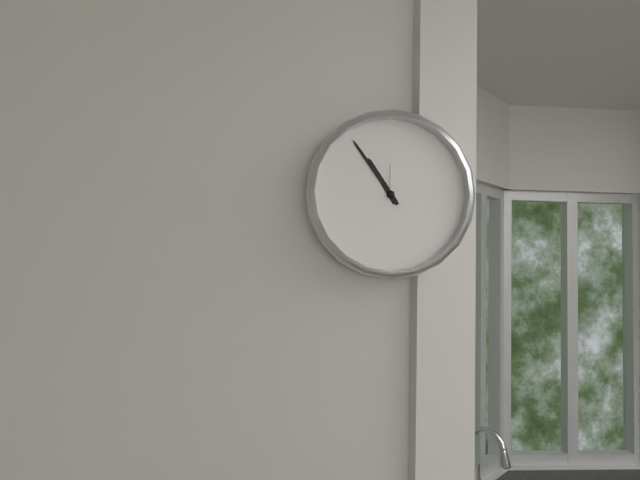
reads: 10,54
